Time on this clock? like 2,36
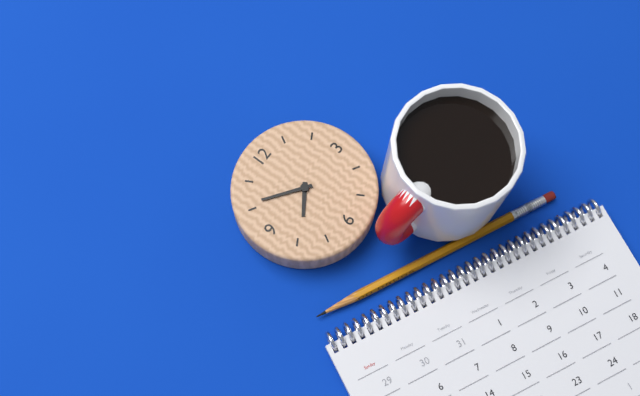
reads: 7,51
